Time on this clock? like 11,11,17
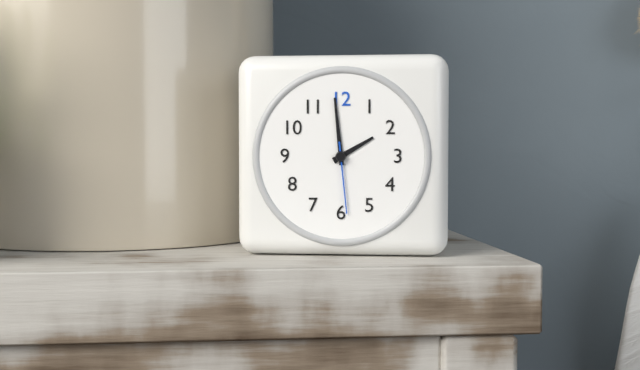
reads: 1,59,29
